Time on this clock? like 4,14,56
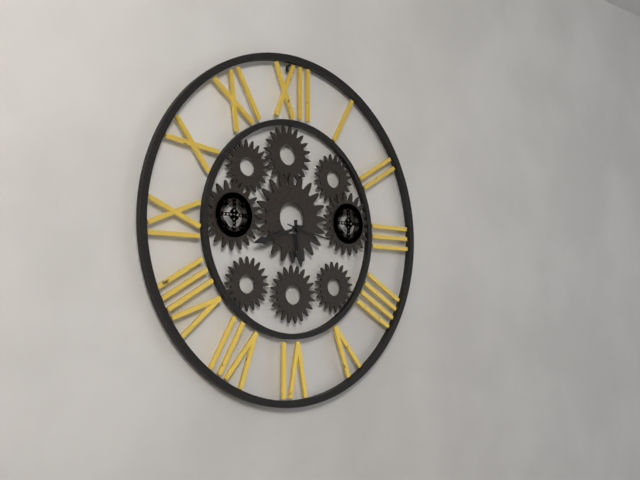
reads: 5,42,17
